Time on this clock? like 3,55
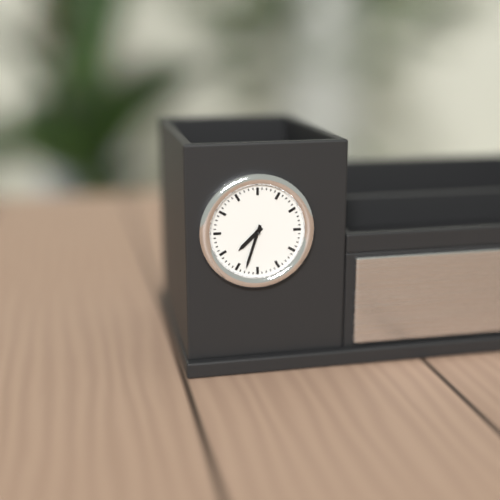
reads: 7,33
